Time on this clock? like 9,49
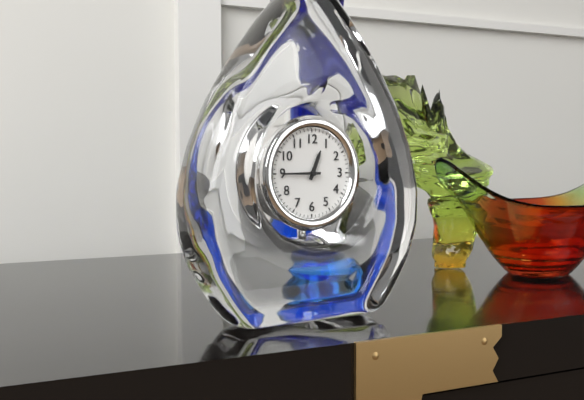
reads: 12,45
